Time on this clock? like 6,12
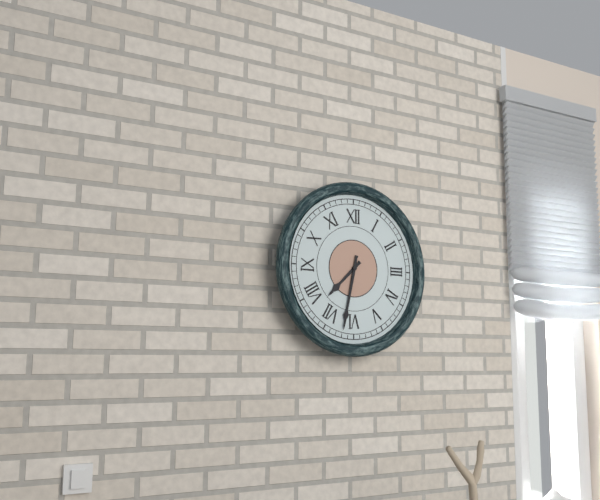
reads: 7,32
